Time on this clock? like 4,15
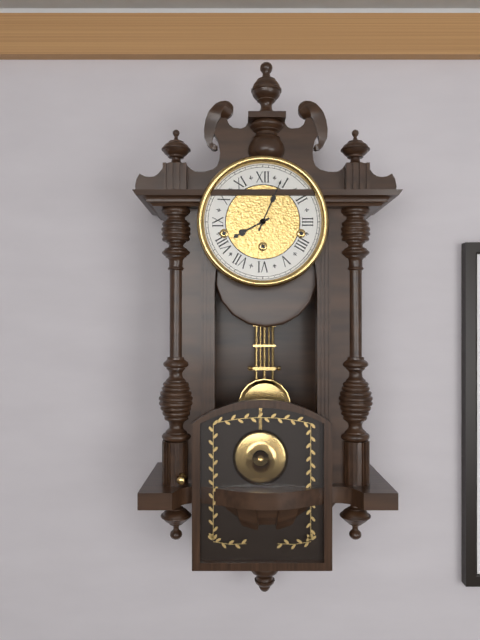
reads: 8,04
